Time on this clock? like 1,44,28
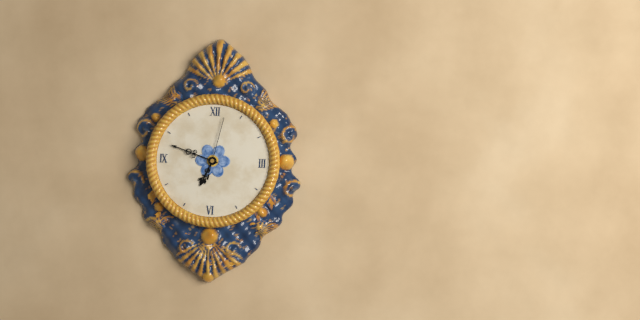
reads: 6,48,02
